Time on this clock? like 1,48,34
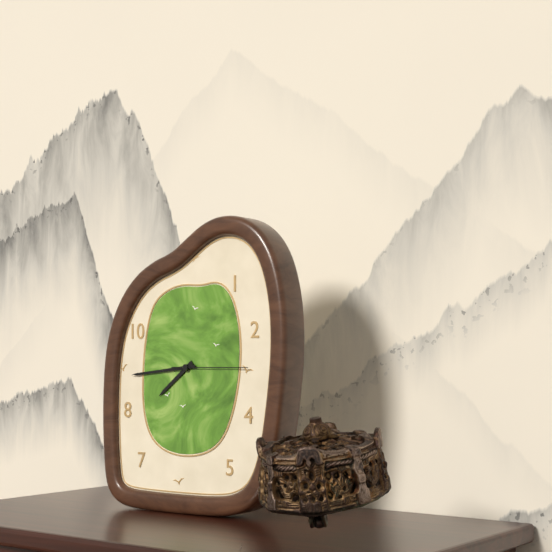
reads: 7,44,15
